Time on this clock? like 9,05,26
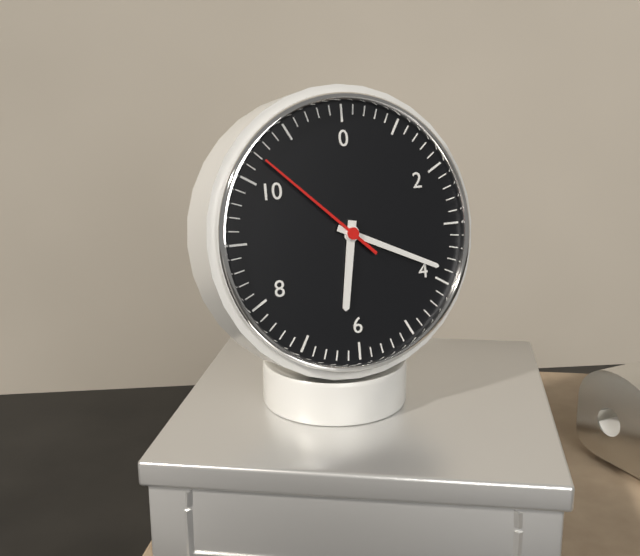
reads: 6,19,52
